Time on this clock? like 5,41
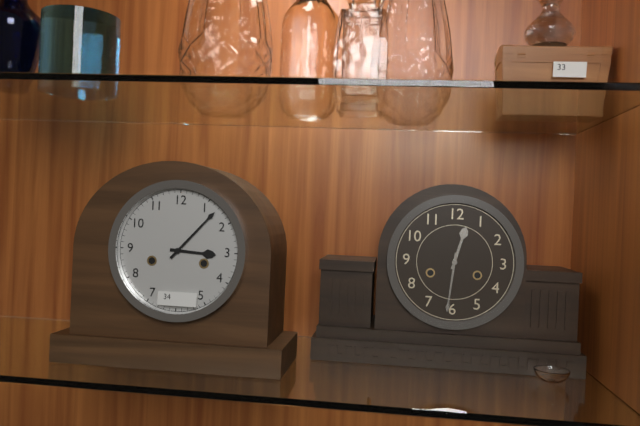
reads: 3,07
